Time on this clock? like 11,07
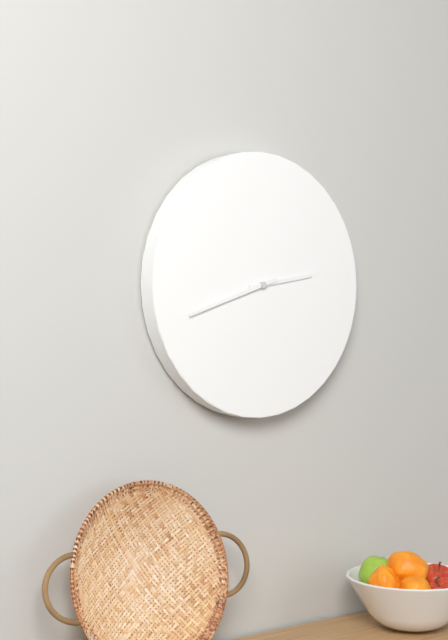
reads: 2,42
